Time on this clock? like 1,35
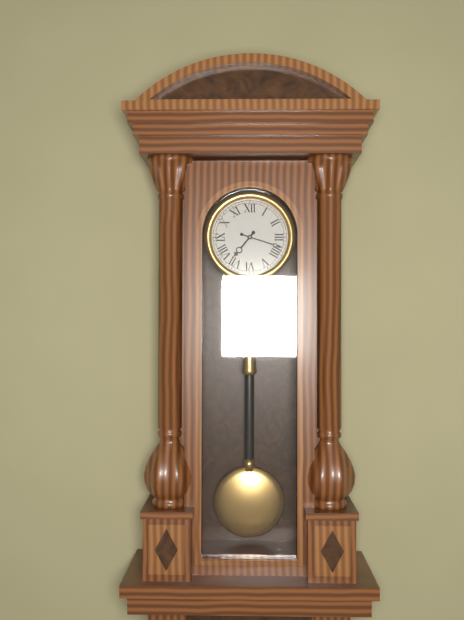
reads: 7,18
